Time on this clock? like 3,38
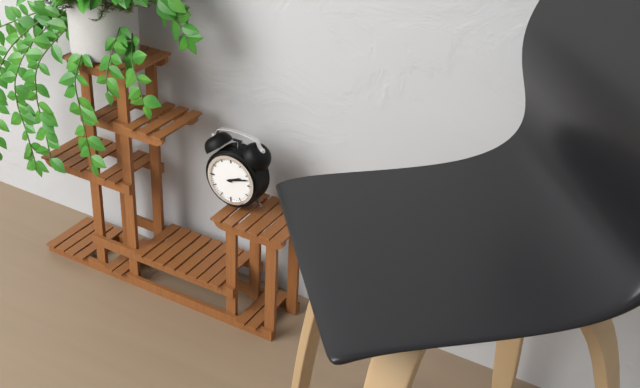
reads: 2,12
